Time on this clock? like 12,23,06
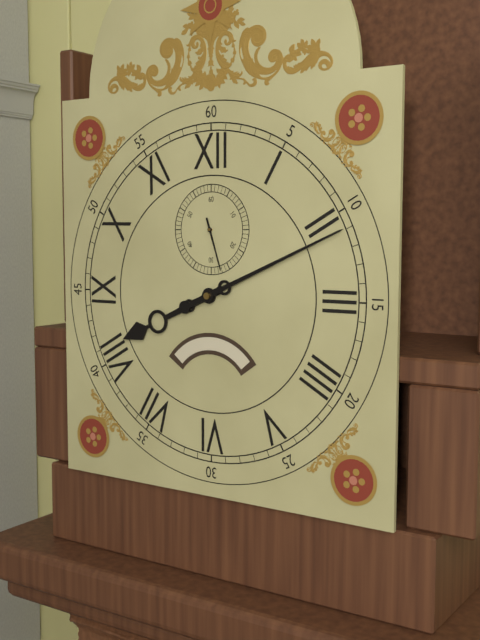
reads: 8,11,27
